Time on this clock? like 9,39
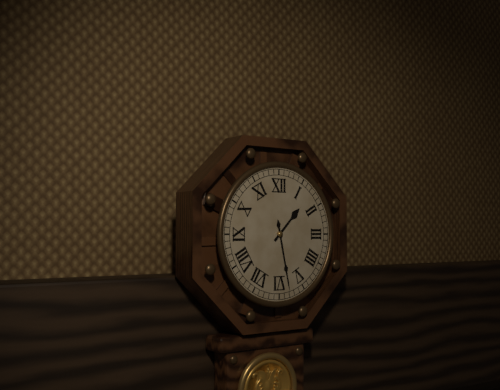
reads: 1,28
